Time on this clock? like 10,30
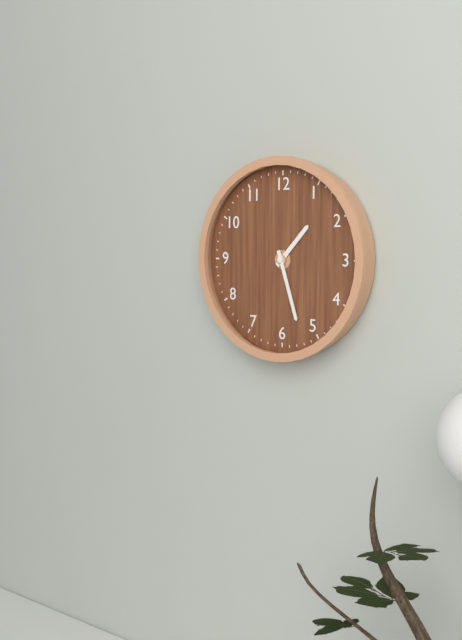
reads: 1,27
